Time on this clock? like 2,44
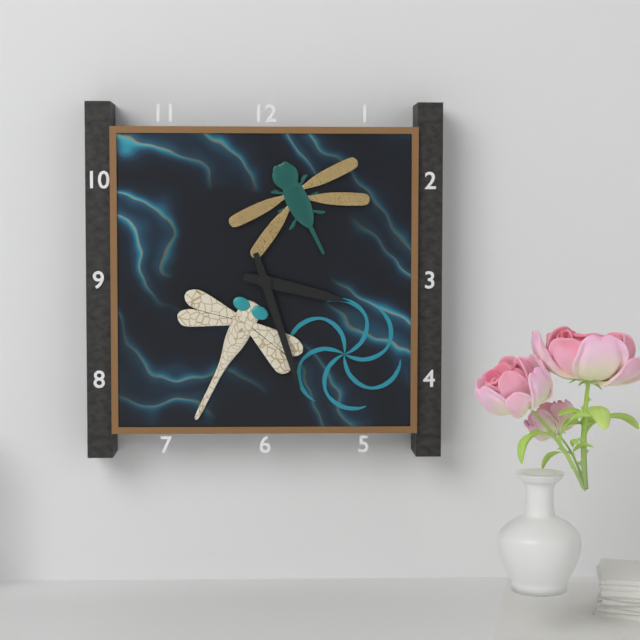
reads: 3,27
